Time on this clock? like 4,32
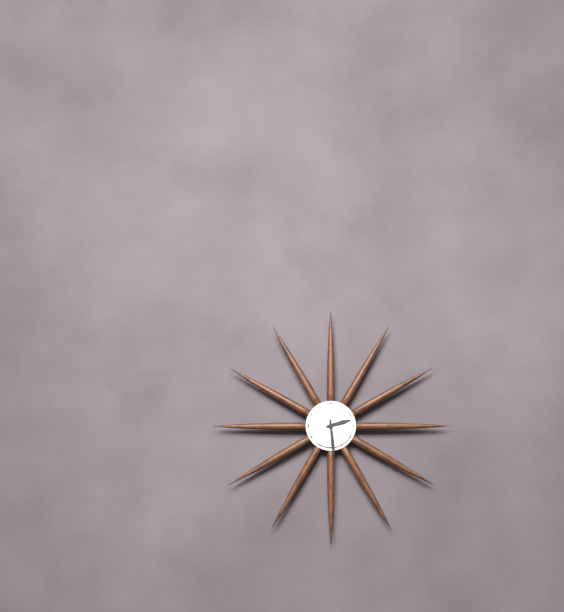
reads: 2,29
